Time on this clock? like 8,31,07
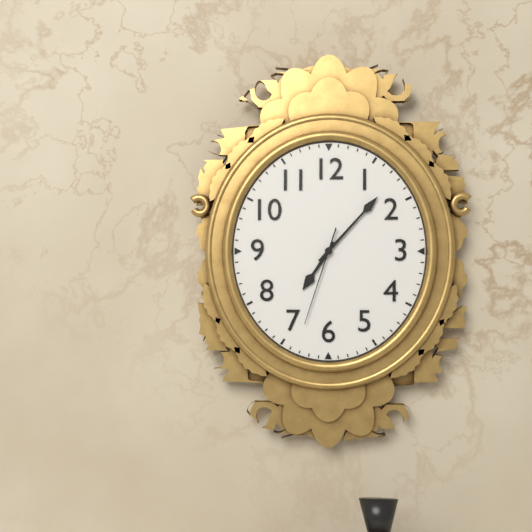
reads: 7,07,33
